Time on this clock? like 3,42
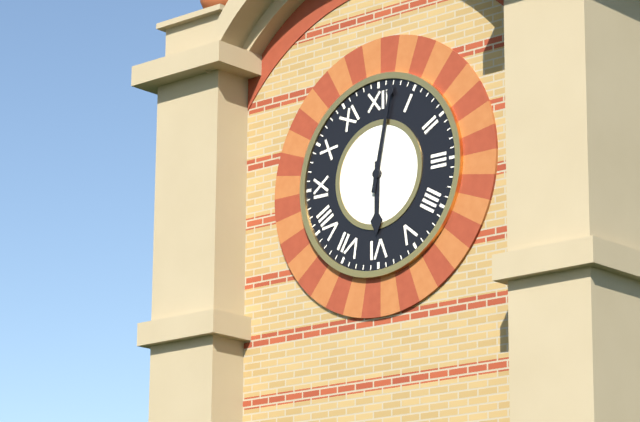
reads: 6,02
